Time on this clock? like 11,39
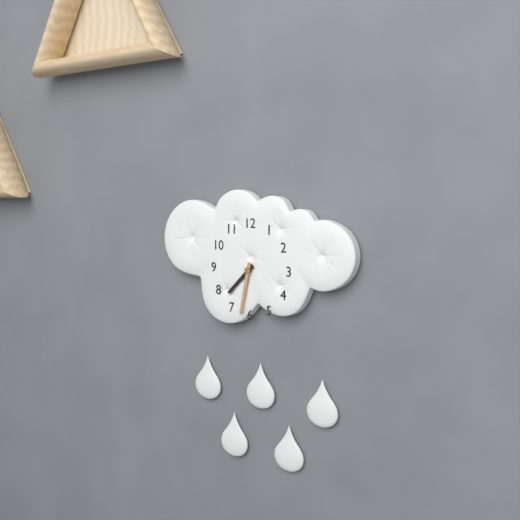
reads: 7,32
